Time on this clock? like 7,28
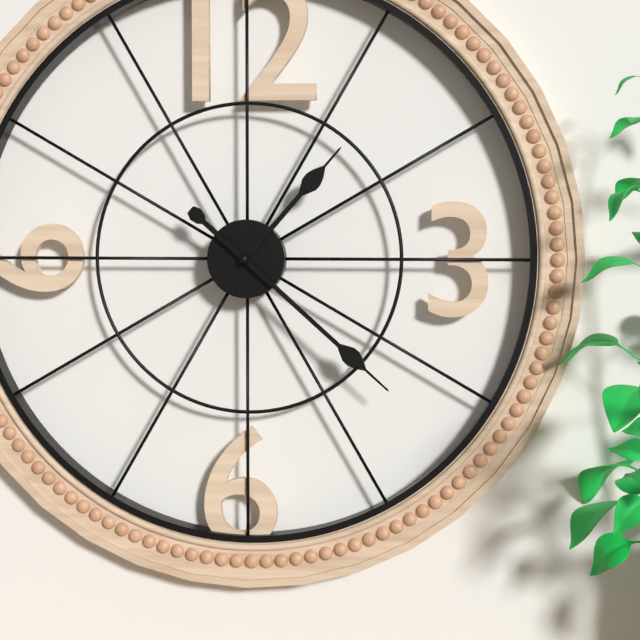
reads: 1,22
